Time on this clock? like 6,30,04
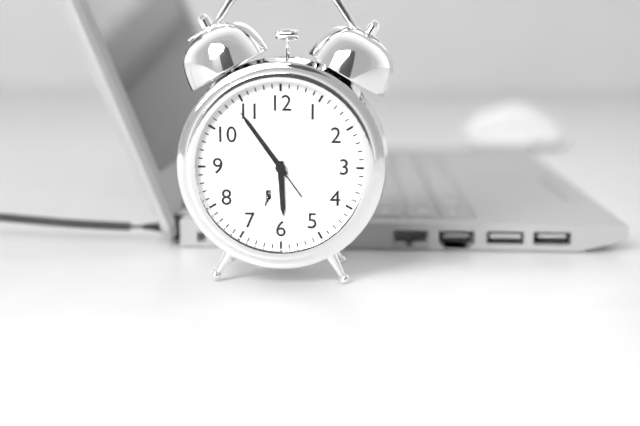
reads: 5,54,54
